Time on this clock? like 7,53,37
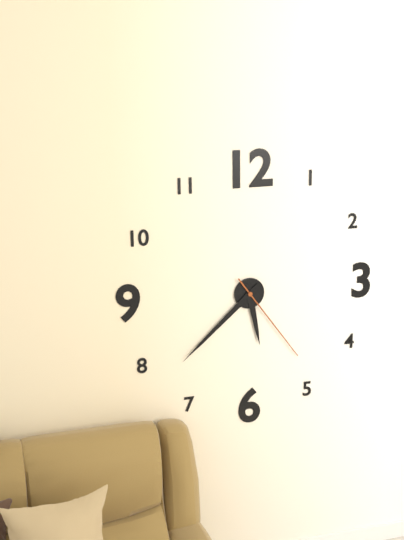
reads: 5,38,24
